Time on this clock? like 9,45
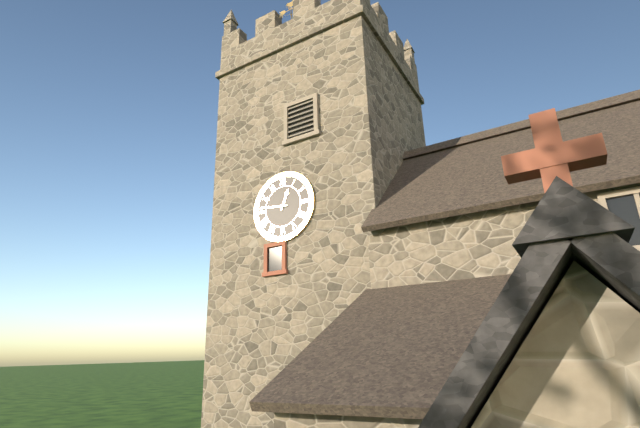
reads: 12,46
